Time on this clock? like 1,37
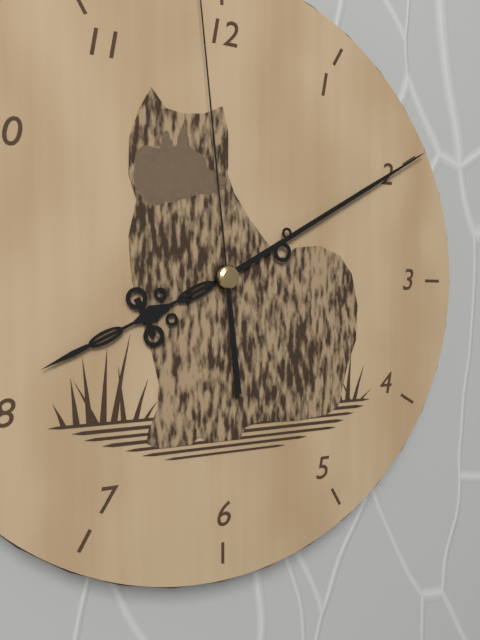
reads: 8,10
